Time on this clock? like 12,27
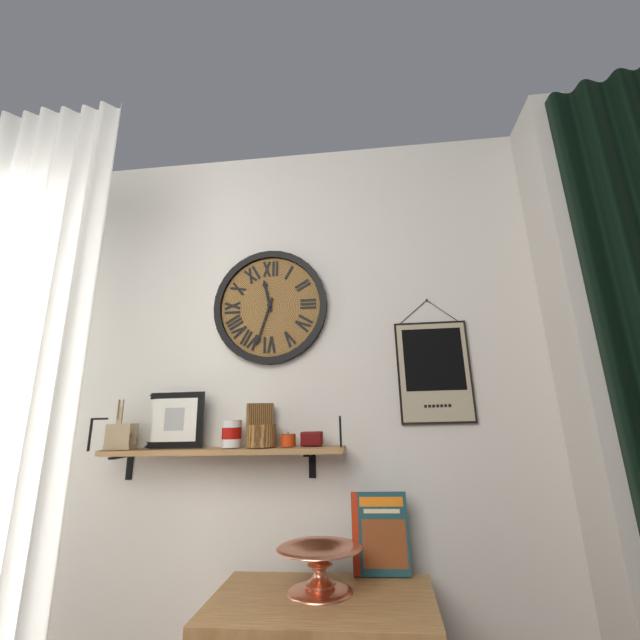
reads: 11,33
